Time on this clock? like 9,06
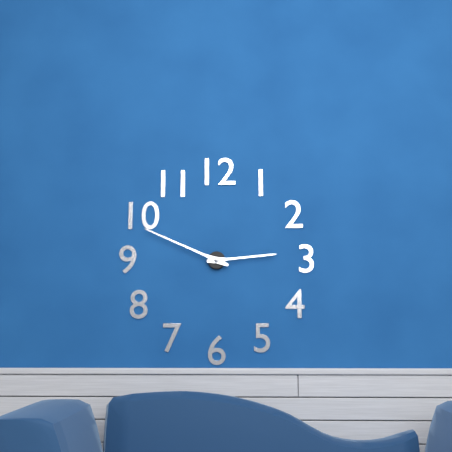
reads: 2,49
